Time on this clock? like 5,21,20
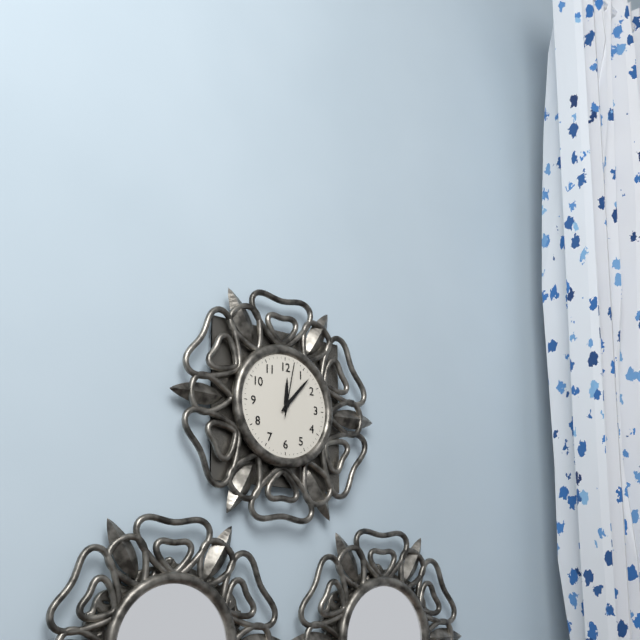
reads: 12,07,02
